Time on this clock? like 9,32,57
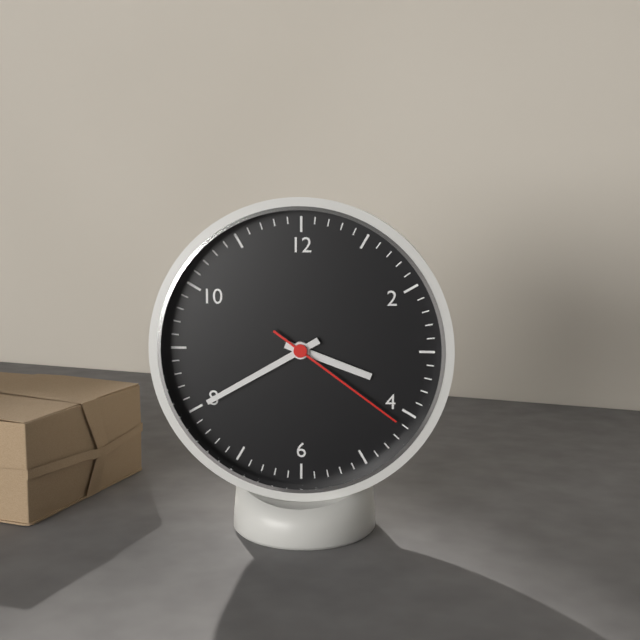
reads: 3,40,21
